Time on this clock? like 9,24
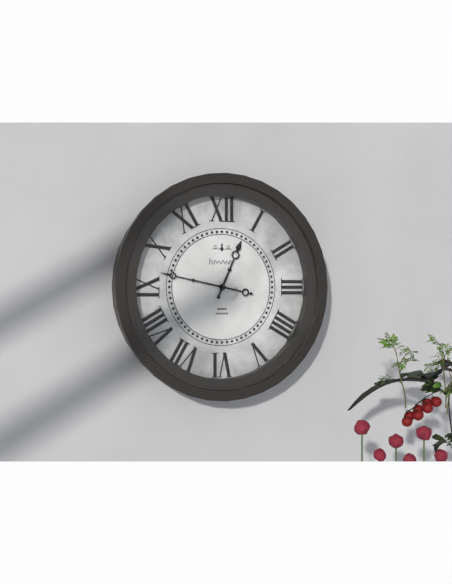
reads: 12,47
